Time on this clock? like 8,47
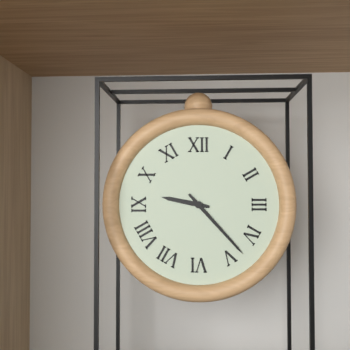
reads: 9,23
